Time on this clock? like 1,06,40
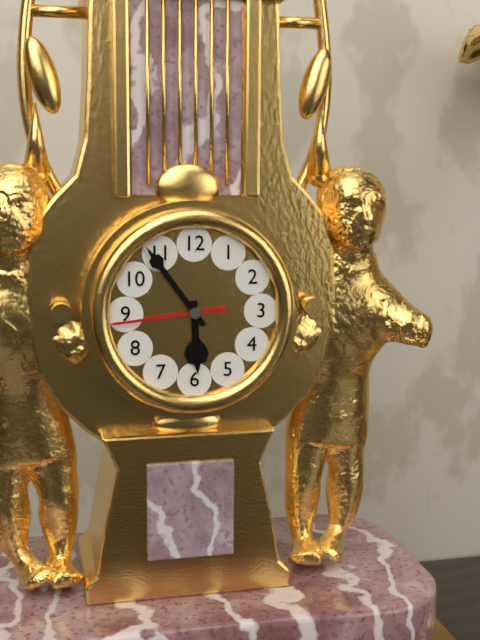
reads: 5,54,44
